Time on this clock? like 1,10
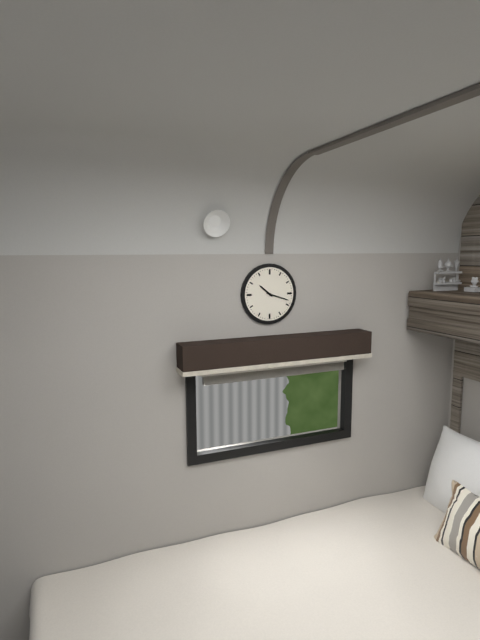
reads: 10,18
